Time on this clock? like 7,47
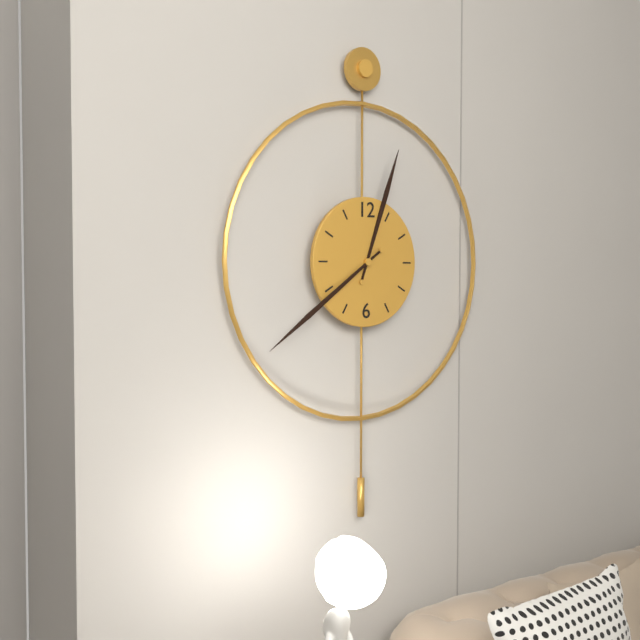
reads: 12,39
